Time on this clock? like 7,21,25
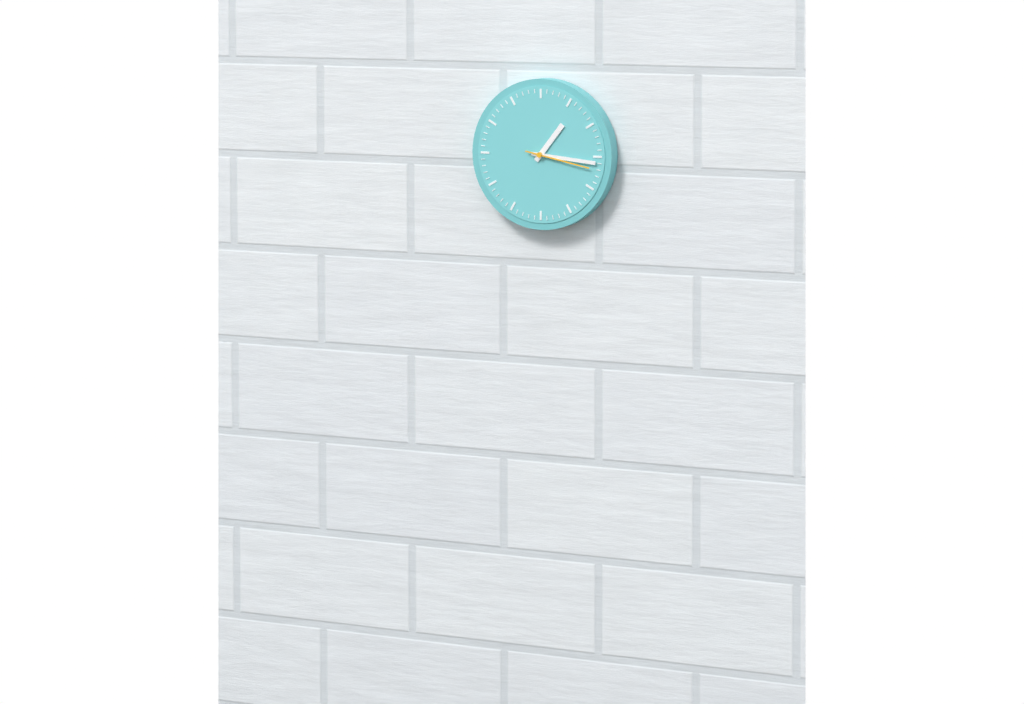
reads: 1,16,17
